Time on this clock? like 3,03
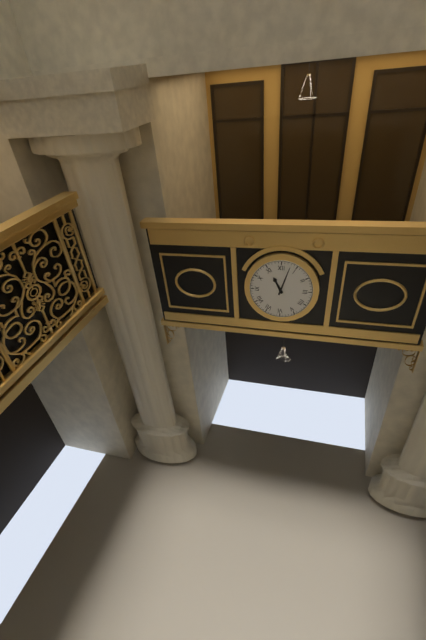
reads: 11,03
